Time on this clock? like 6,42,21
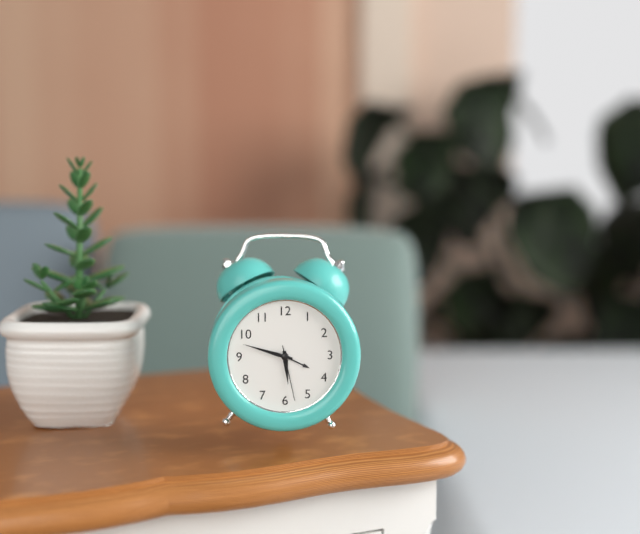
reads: 5,48,28
